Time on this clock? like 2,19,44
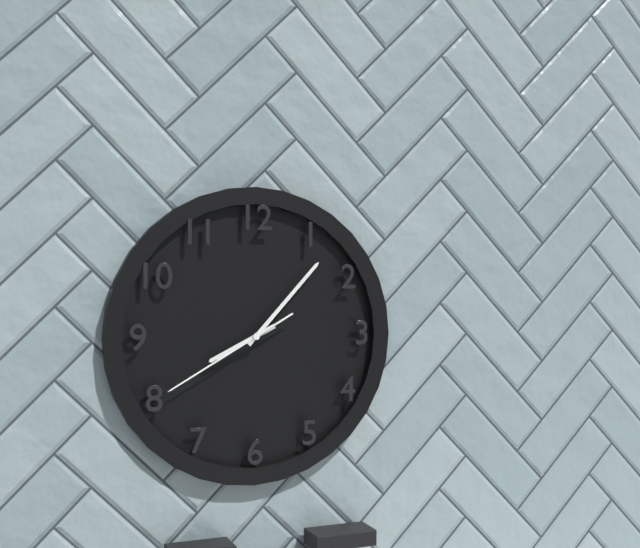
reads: 8,07,40
